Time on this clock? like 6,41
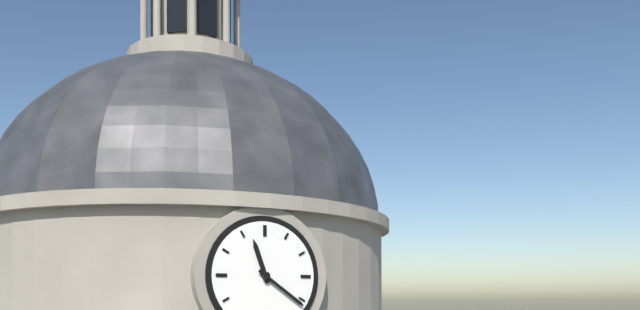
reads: 11,21
